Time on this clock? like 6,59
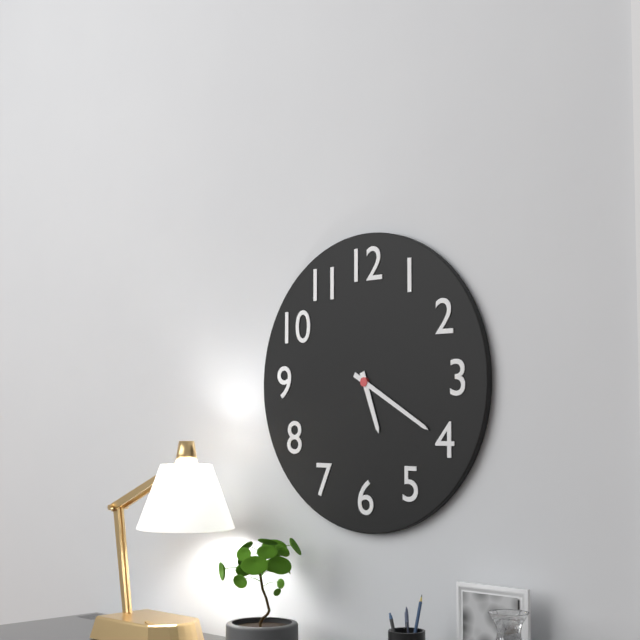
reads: 5,20
